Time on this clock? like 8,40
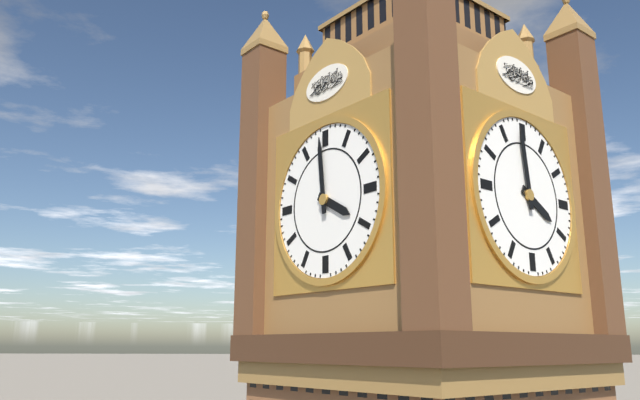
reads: 3,59
